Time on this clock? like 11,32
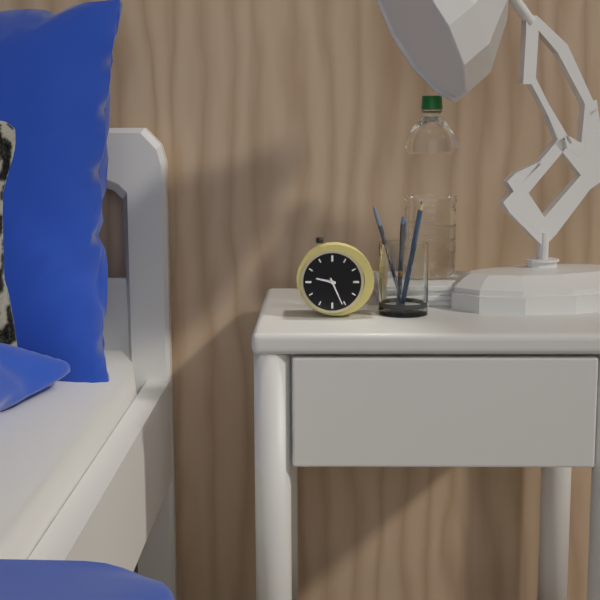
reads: 9,26
